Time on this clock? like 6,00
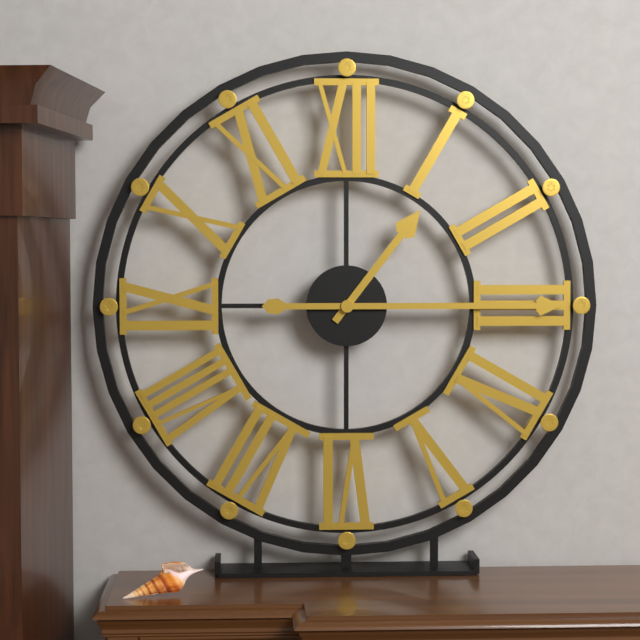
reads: 1,15
